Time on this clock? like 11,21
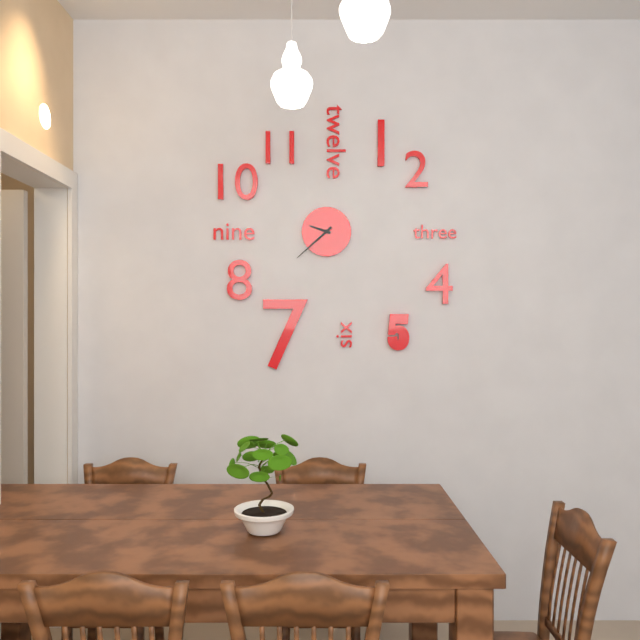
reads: 9,38
